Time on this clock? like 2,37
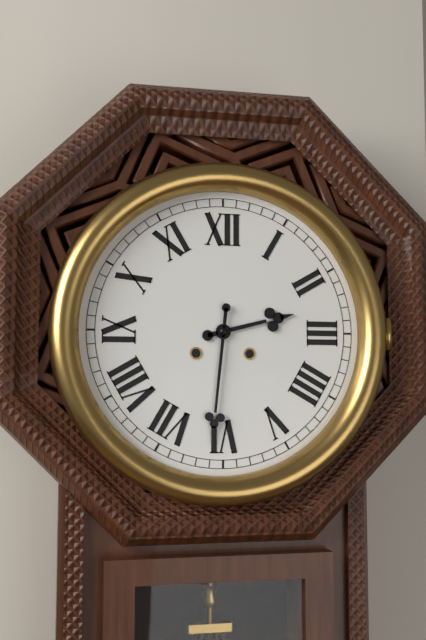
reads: 2,31
